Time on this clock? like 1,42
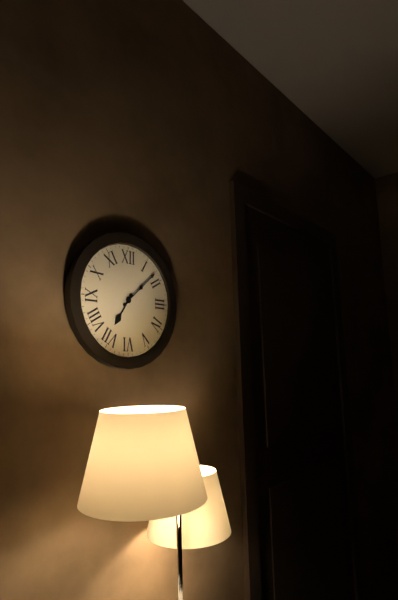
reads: 7,08
